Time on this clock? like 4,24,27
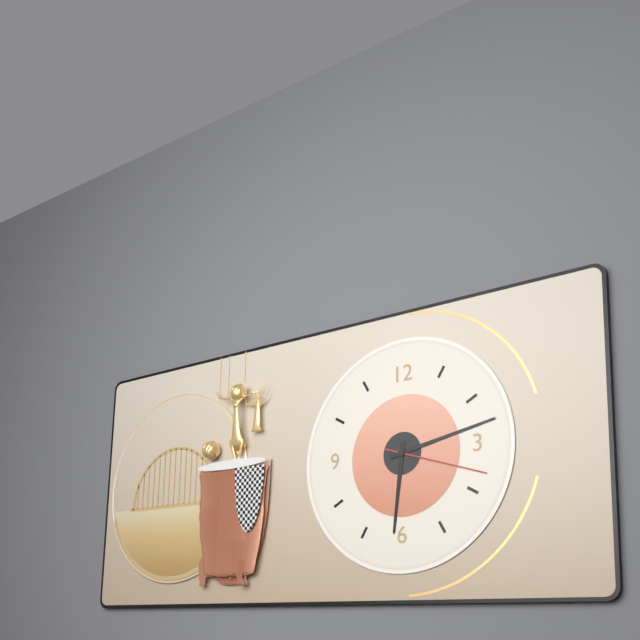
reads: 6,13,18
